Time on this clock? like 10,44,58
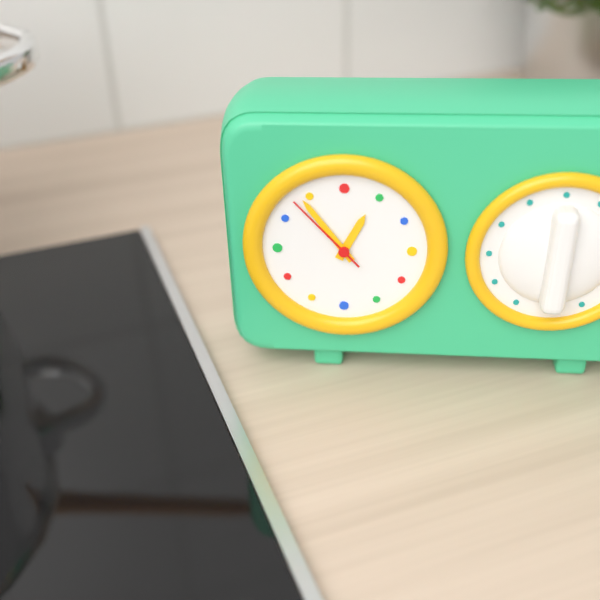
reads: 12,54,53
